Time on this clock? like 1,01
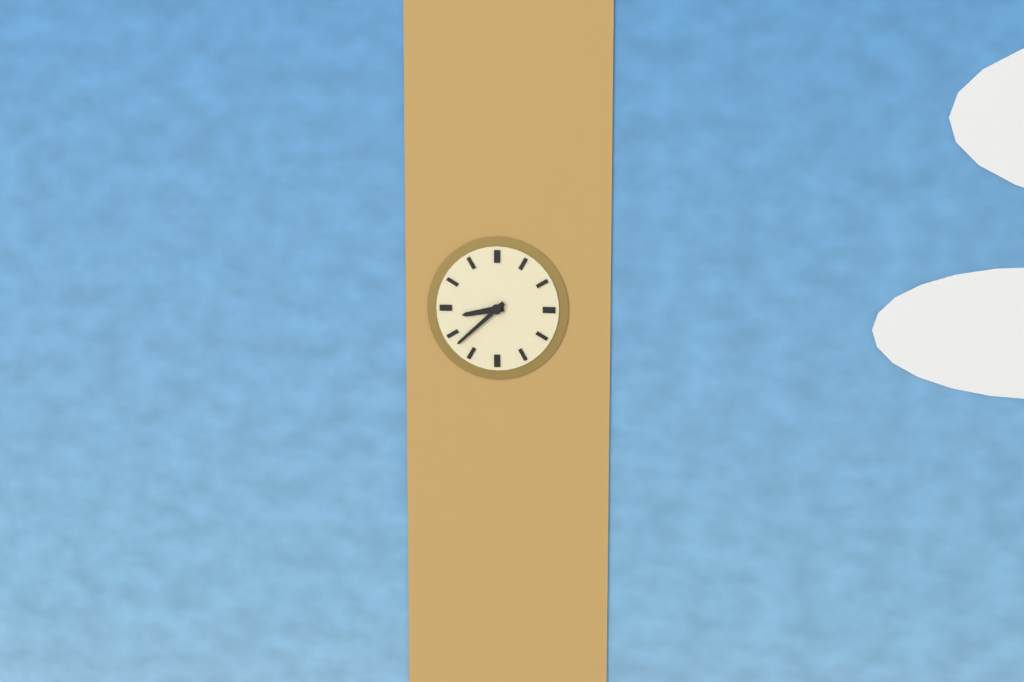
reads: 8,38
